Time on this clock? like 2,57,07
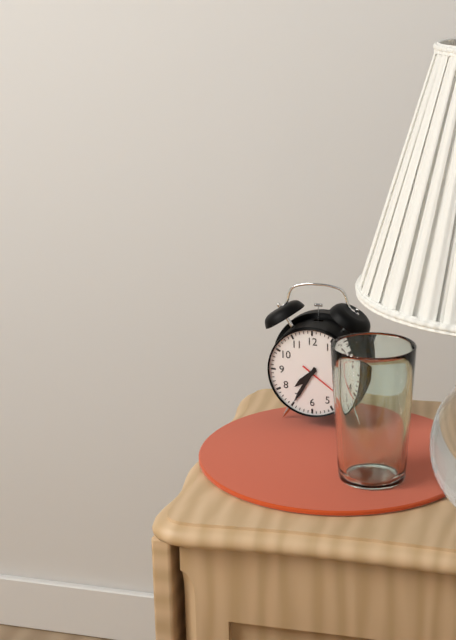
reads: 7,35,21
